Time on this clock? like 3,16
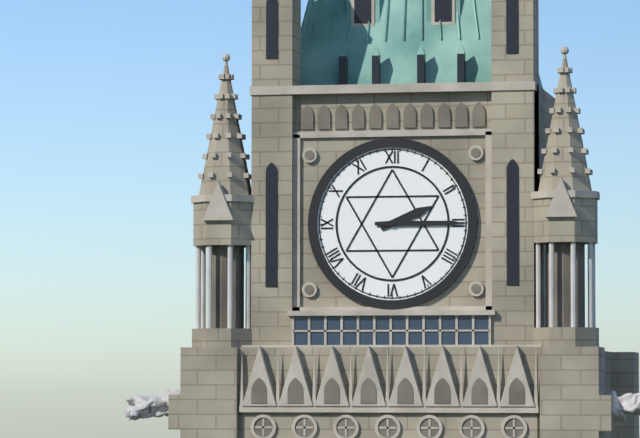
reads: 2,15
